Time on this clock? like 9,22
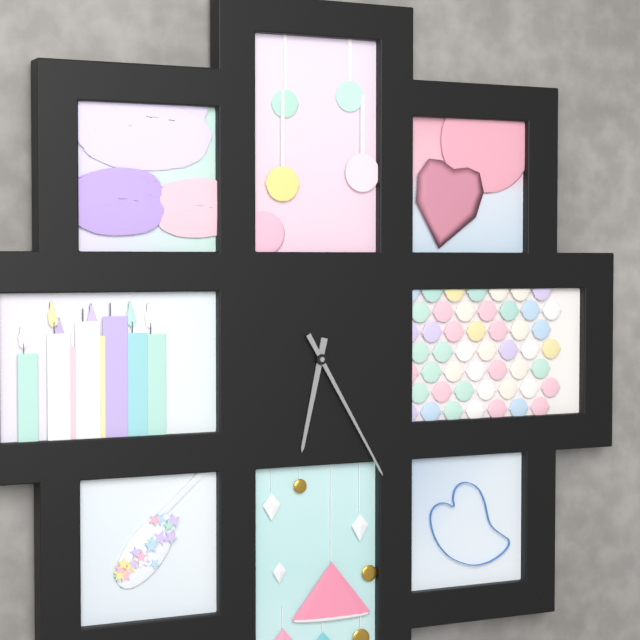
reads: 6,25
